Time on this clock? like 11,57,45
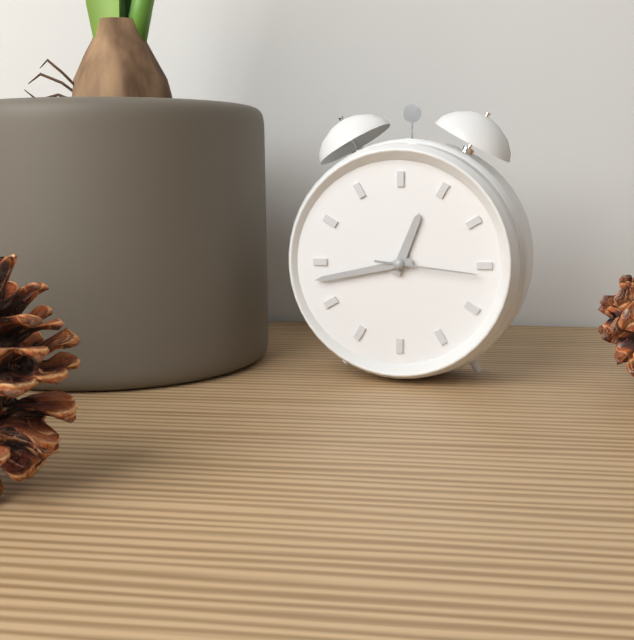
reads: 12,43,16
